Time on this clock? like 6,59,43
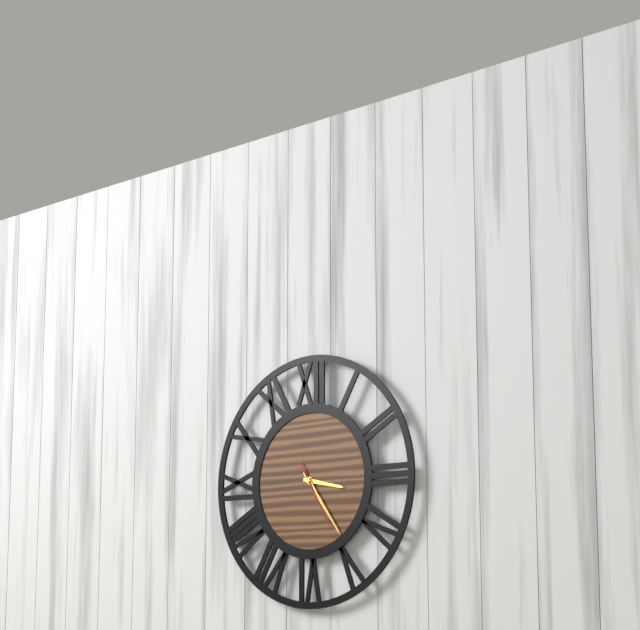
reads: 3,24,25
